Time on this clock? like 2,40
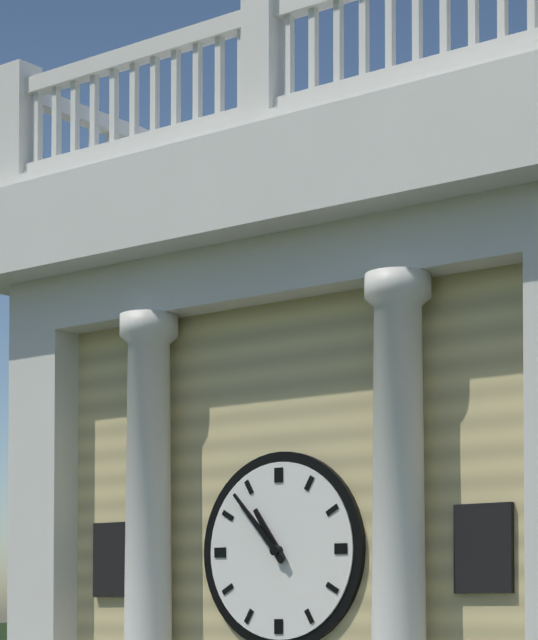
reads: 10,53
